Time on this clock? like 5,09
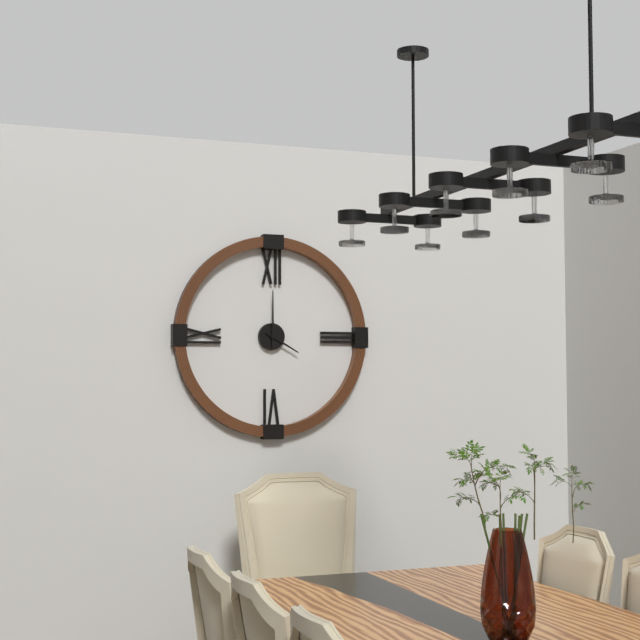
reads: 4,00
